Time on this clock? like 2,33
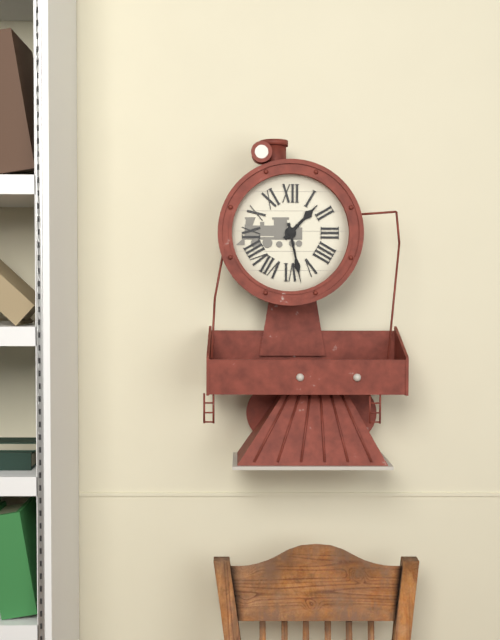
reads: 1,28
